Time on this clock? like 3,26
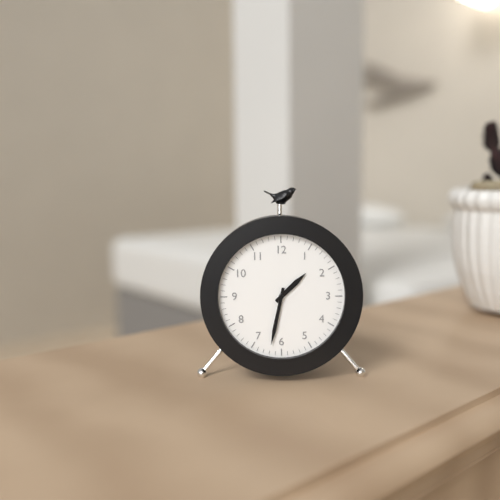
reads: 1,32
